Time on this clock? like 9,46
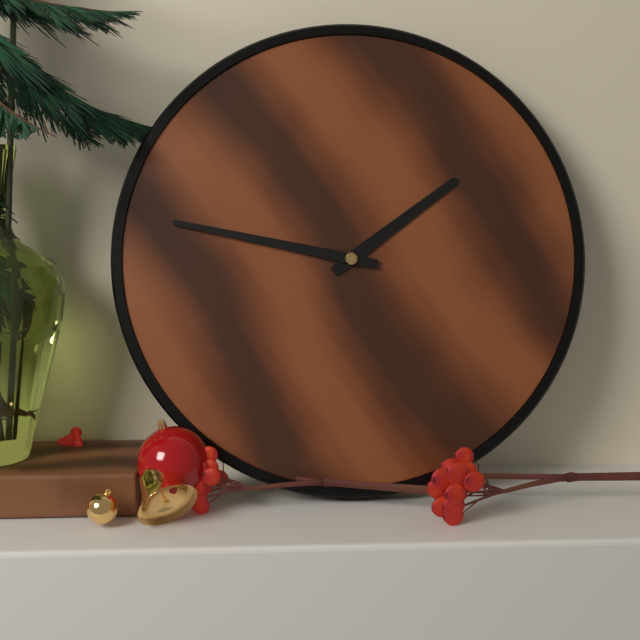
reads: 1,47
